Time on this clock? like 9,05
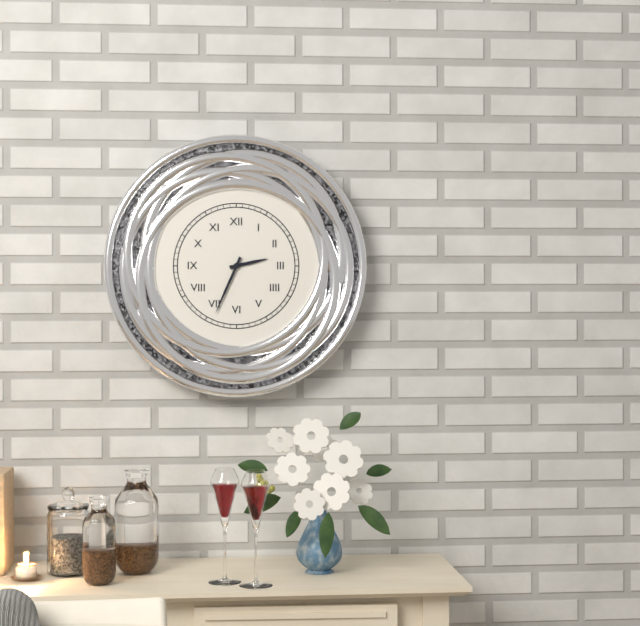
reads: 2,34
